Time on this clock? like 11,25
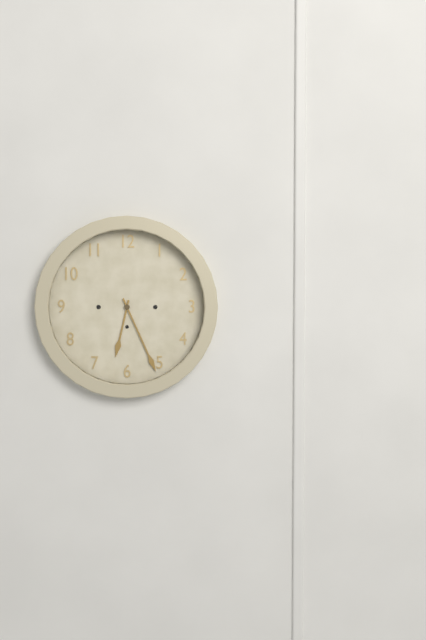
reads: 6,26
